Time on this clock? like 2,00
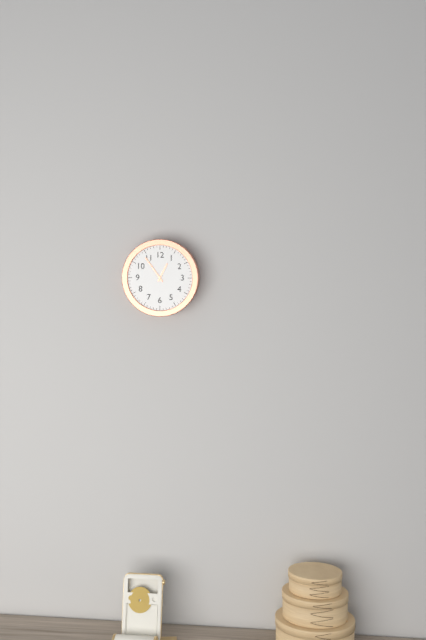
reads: 12,54
